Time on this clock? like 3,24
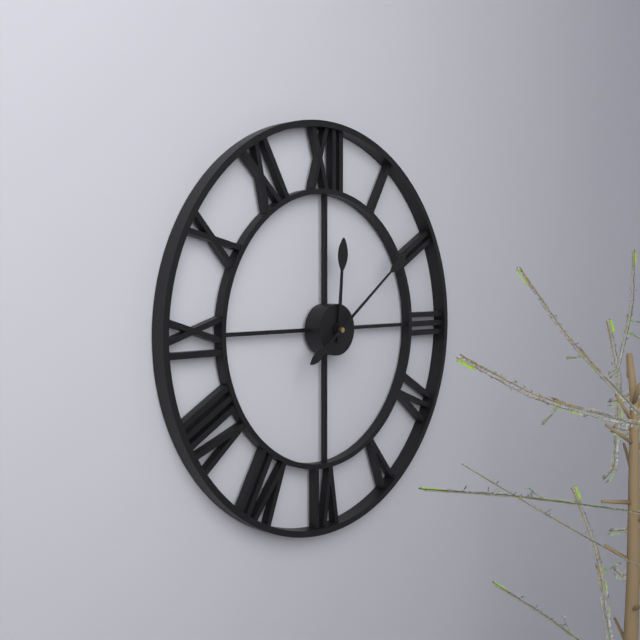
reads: 12,09
